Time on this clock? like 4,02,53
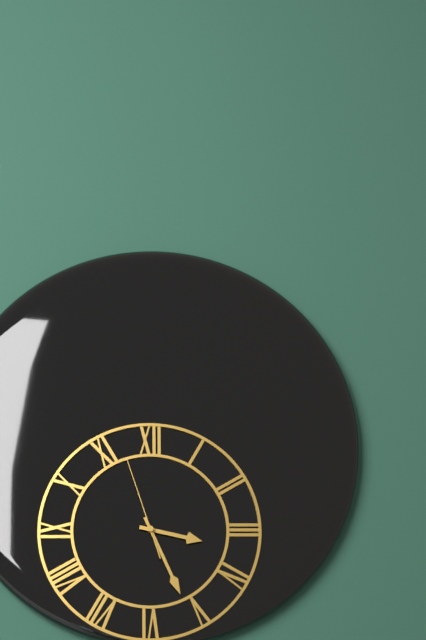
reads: 3,26,57
